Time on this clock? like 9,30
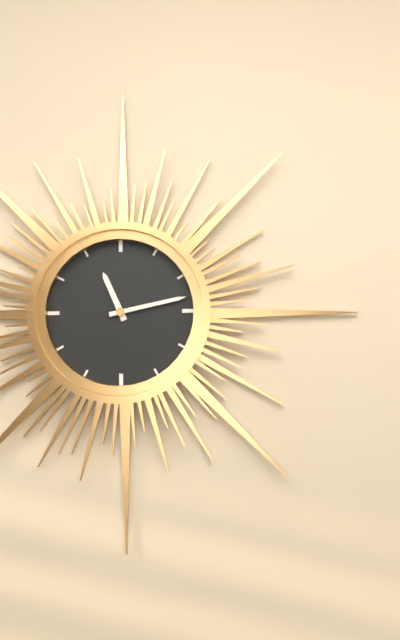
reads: 11,13
